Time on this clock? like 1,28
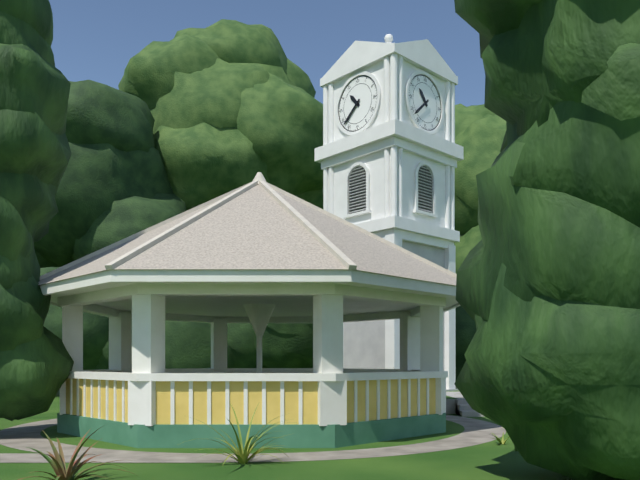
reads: 10,38
